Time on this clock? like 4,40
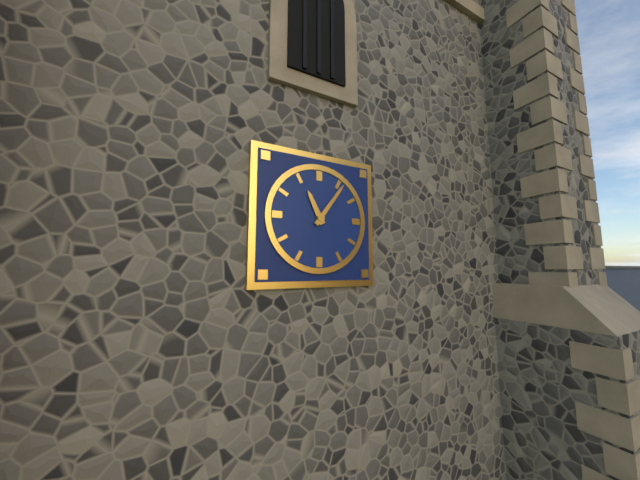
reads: 11,06
